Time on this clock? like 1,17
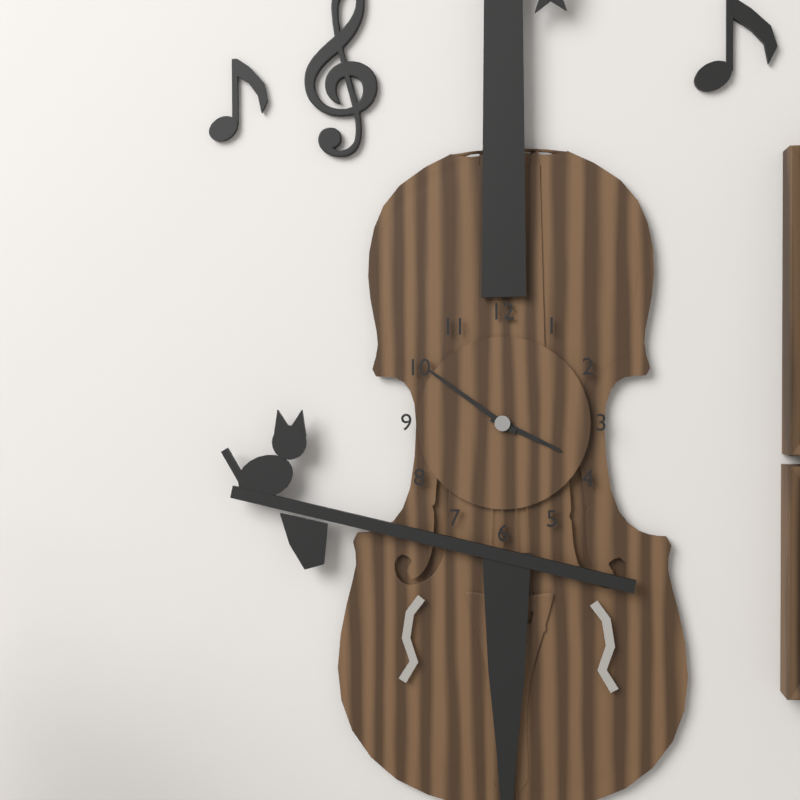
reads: 3,51
